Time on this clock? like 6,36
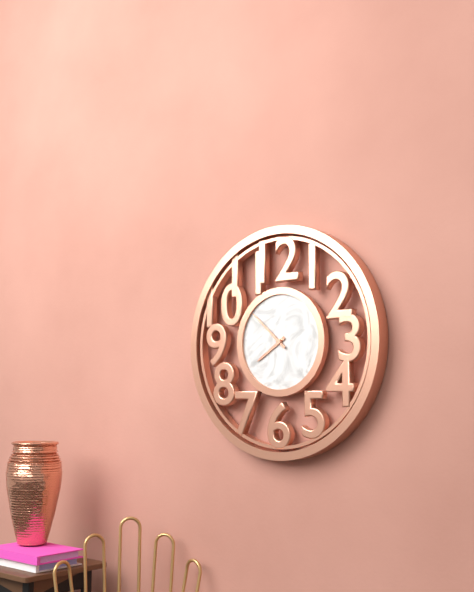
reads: 7,52
